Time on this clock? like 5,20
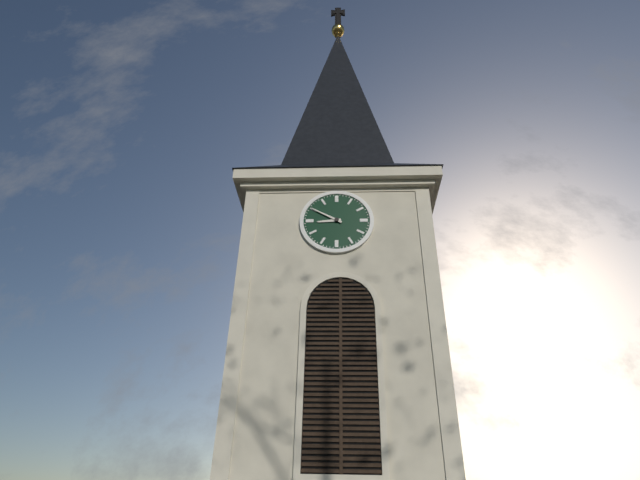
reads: 8,50
